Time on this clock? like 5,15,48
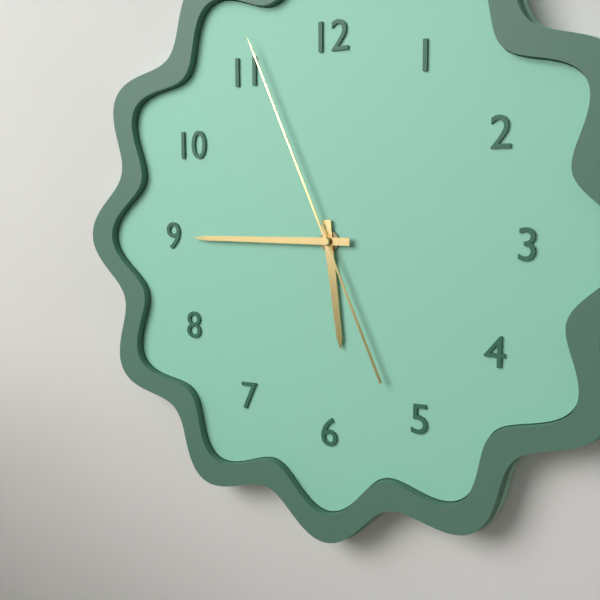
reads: 5,45,56
